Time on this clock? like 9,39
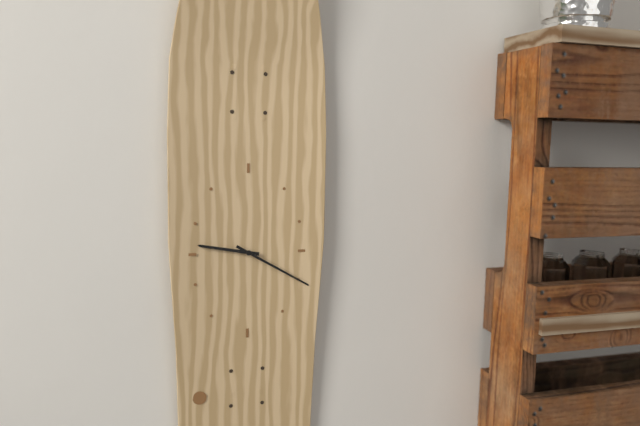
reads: 9,20
